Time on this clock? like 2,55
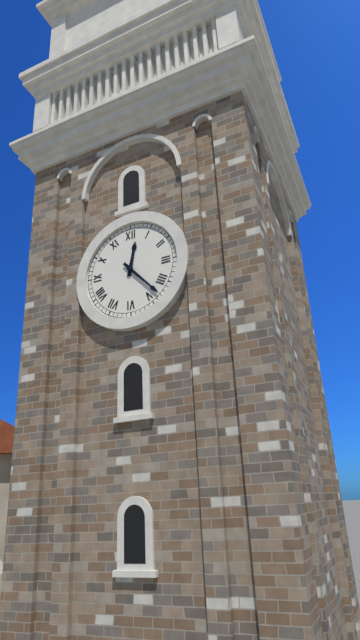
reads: 12,23
